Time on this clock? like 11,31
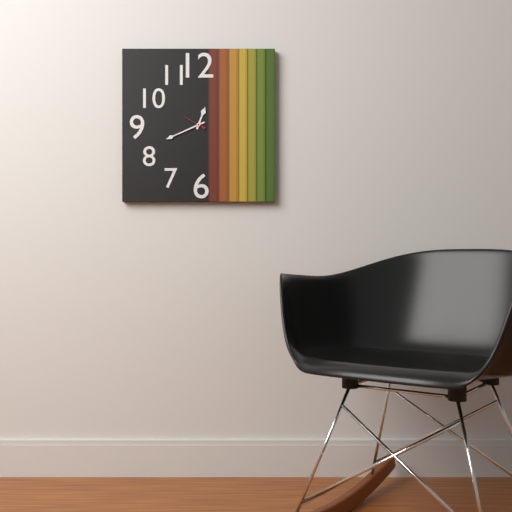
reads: 12,41
